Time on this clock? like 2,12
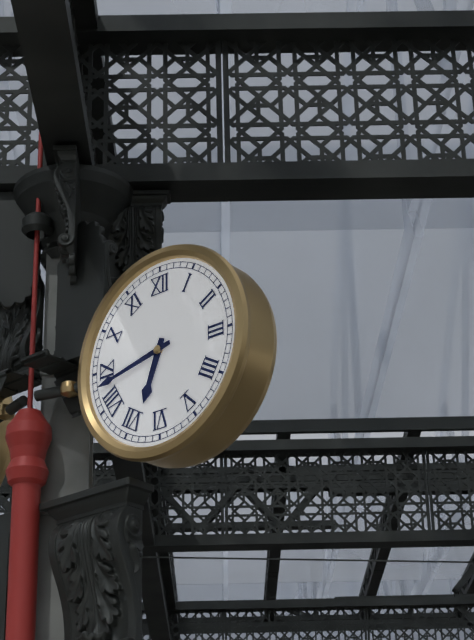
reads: 6,43
